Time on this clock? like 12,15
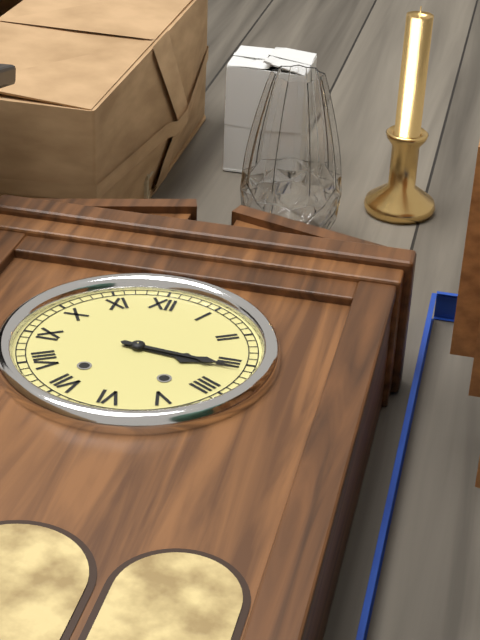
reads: 3,16
